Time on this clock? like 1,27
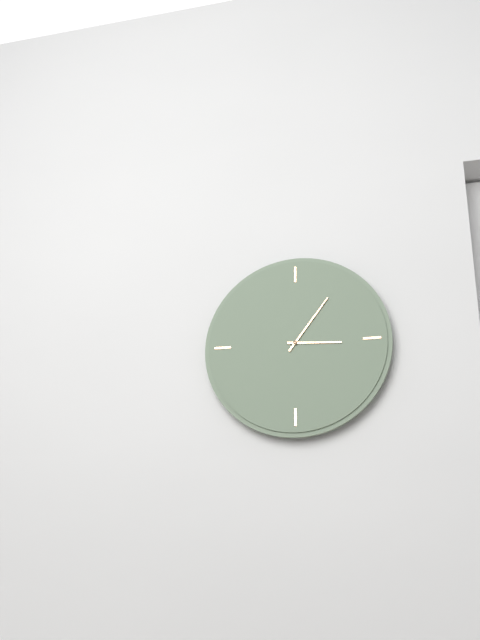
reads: 3,06
